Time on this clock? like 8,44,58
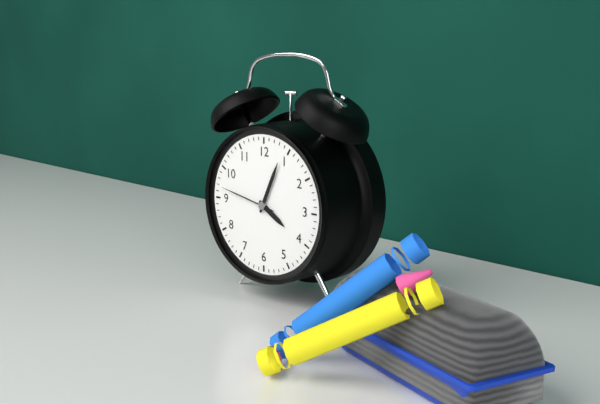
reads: 4,04,47
